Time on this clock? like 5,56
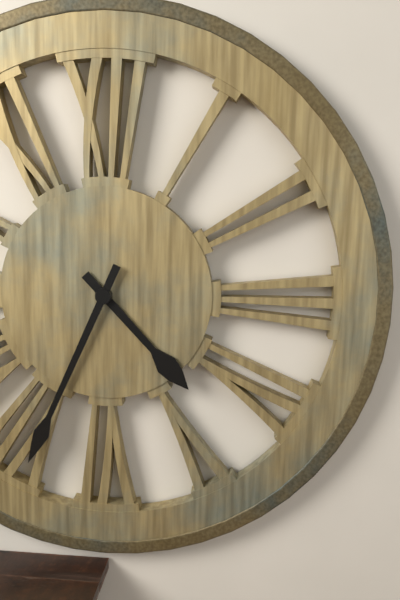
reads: 4,34
